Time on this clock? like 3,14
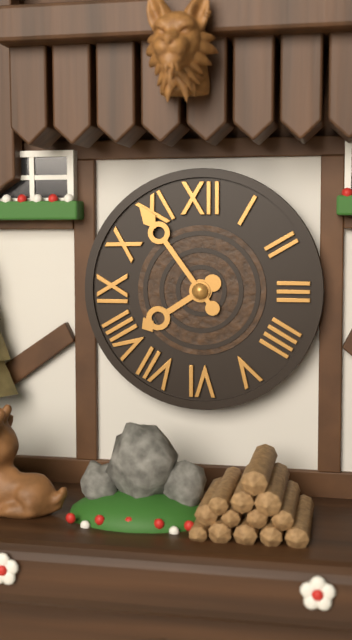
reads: 7,54
